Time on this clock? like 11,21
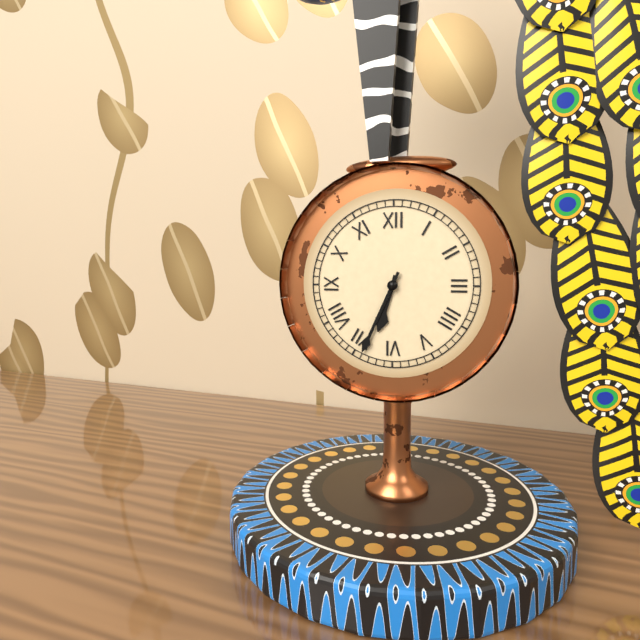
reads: 6,34
